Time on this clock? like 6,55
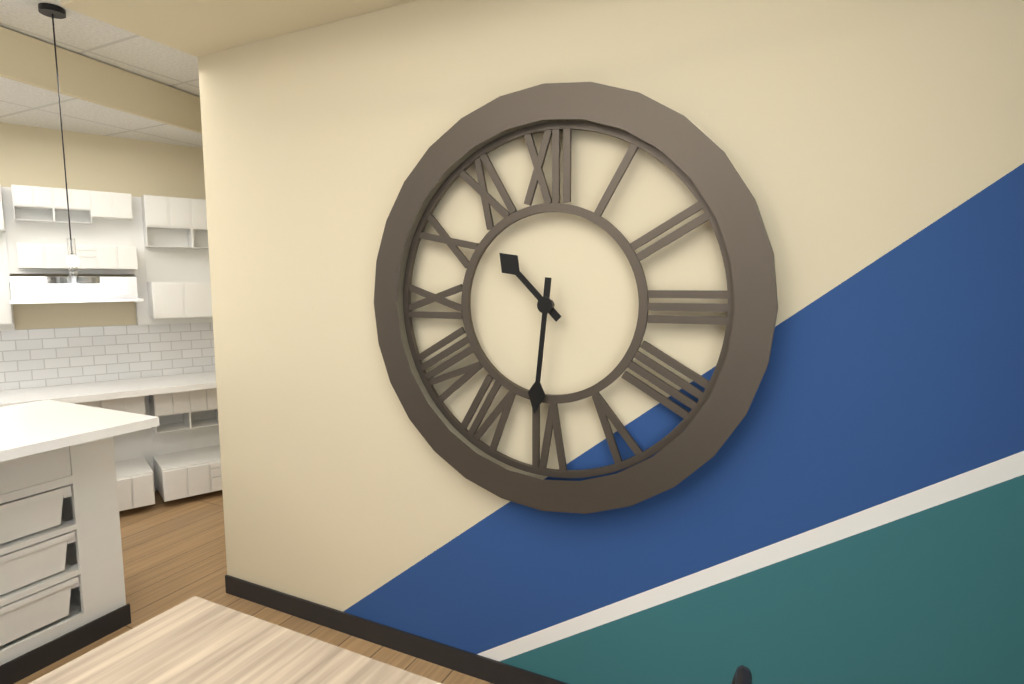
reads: 10,31
